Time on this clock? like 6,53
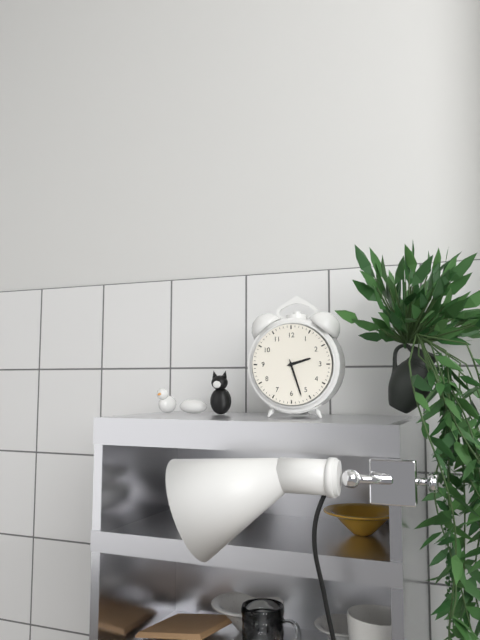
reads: 2,27
